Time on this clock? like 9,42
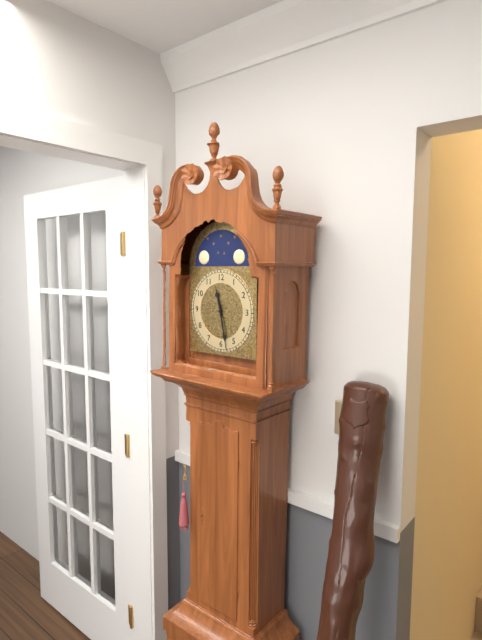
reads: 11,28
